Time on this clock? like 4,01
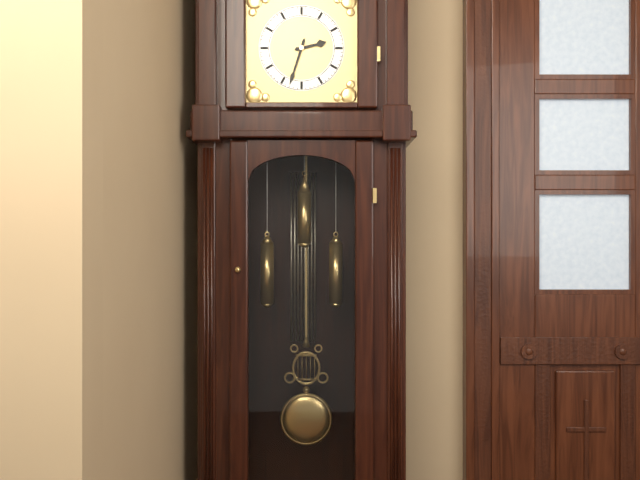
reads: 2,33
